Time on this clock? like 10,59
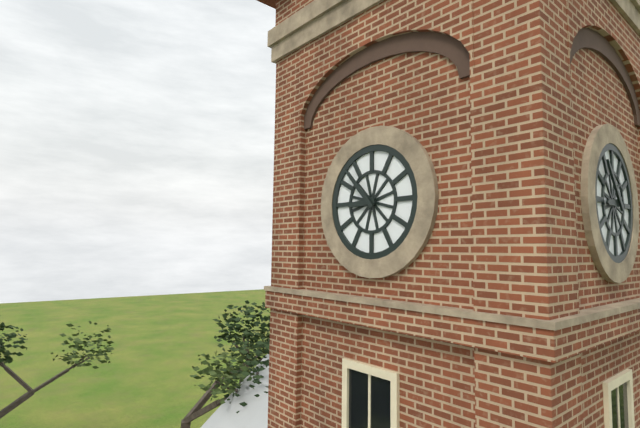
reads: 8,53
